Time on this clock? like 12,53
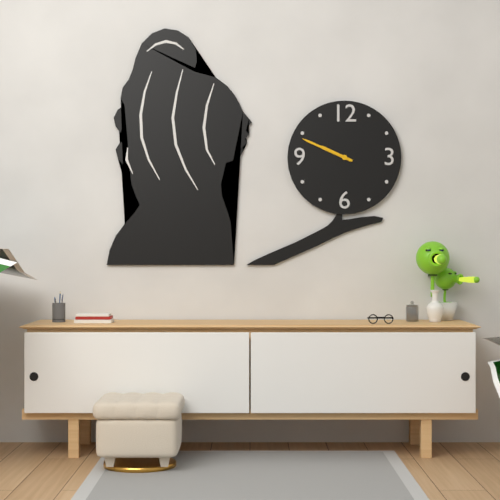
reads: 9,49
